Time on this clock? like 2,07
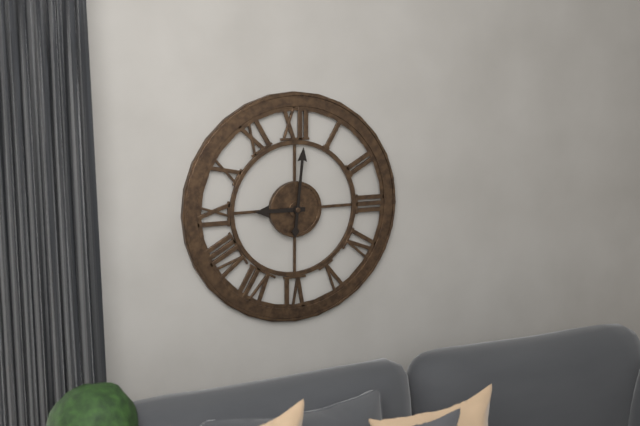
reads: 9,01
